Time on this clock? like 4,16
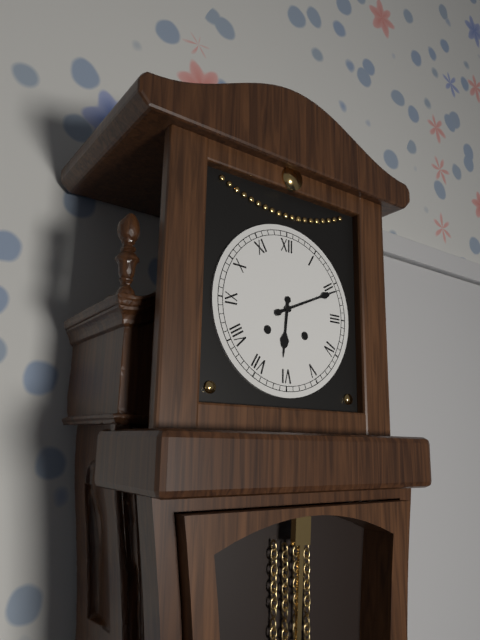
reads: 6,11
